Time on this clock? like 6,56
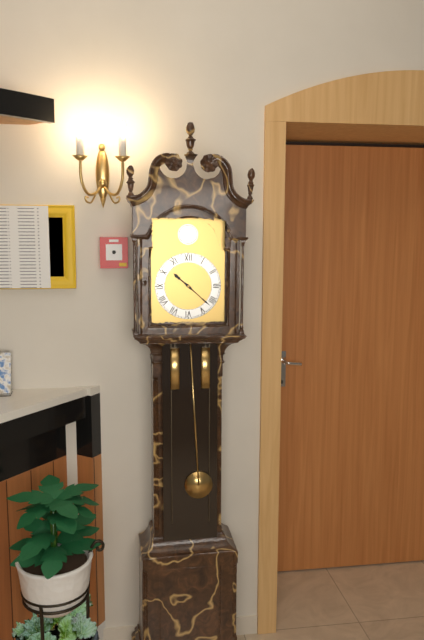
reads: 10,22
